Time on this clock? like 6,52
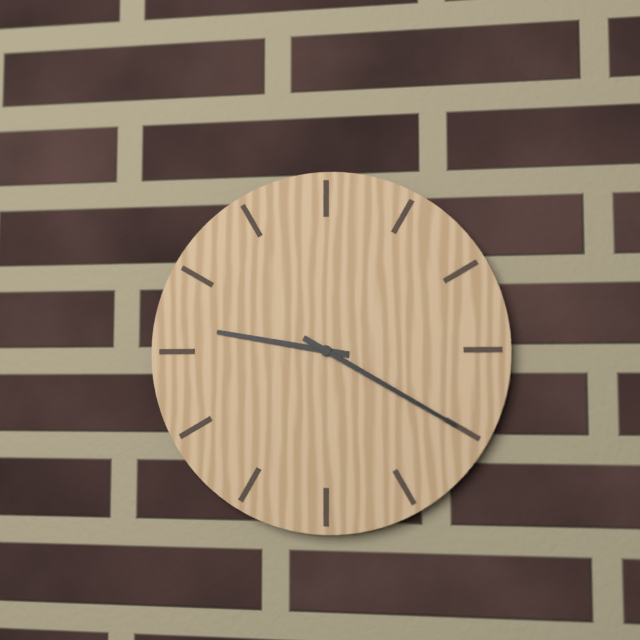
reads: 9,20
